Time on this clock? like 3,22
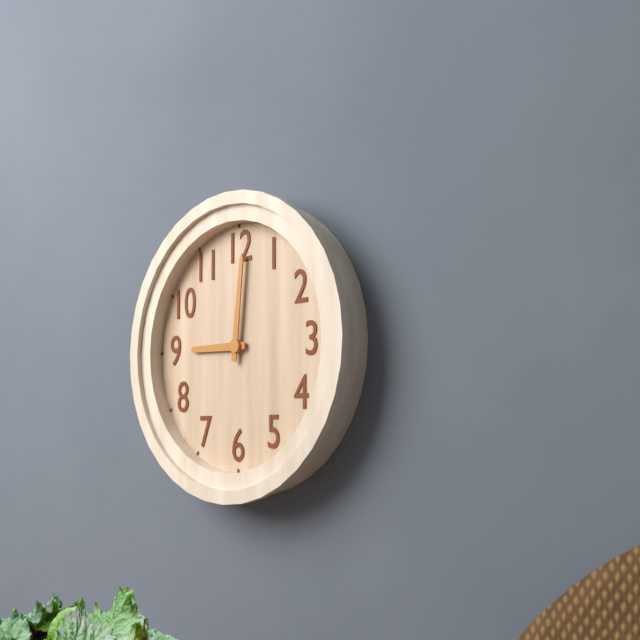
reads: 9,01
